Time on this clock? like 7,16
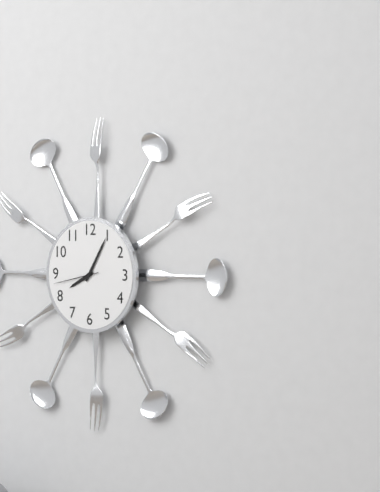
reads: 8,05
